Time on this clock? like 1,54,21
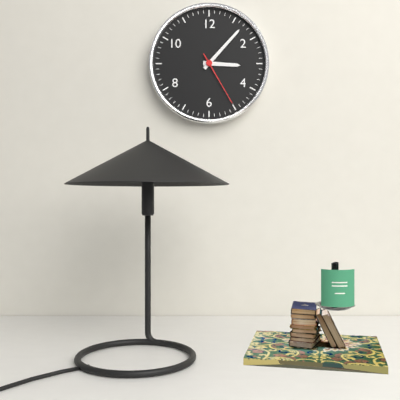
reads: 3,07,25
